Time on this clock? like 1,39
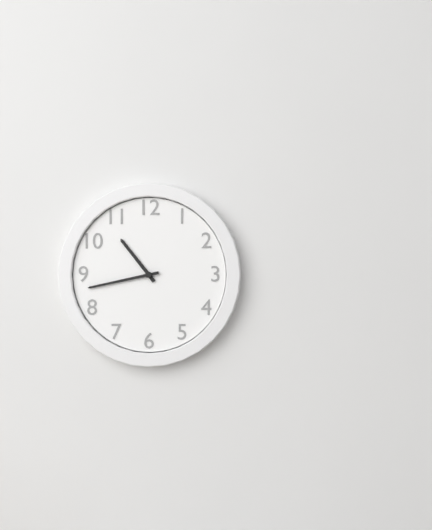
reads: 10,43
